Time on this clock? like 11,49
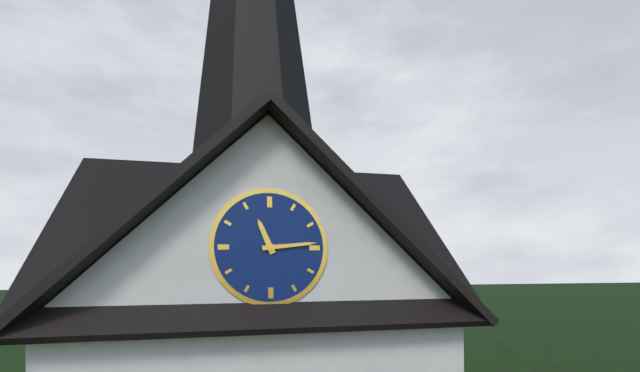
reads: 11,14
